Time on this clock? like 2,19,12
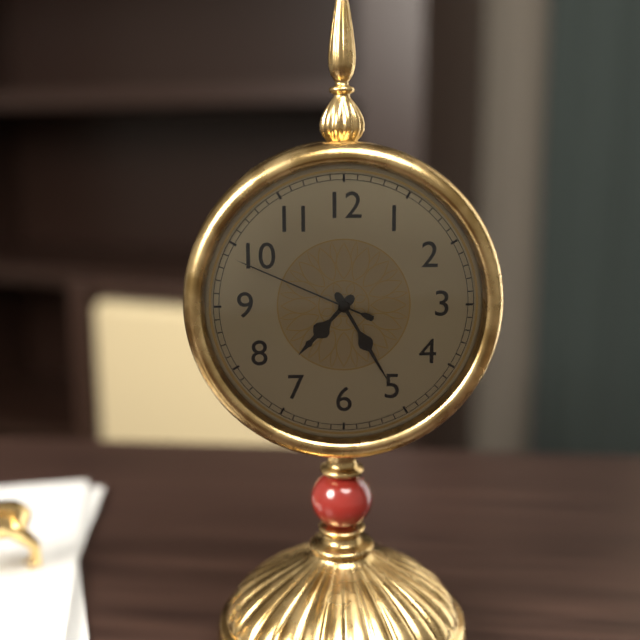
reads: 7,25,49
